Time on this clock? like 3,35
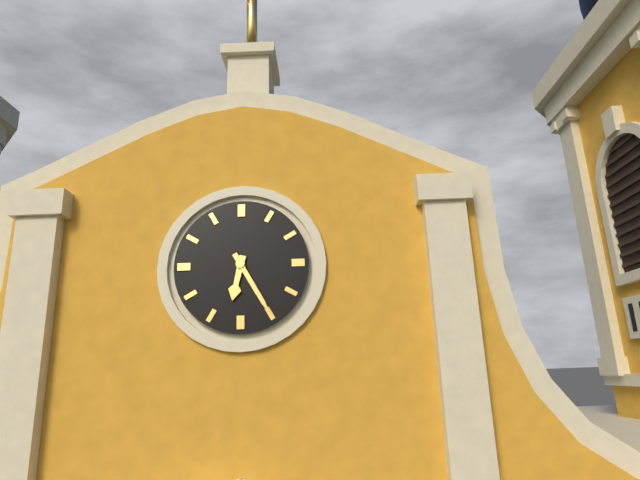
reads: 6,25
